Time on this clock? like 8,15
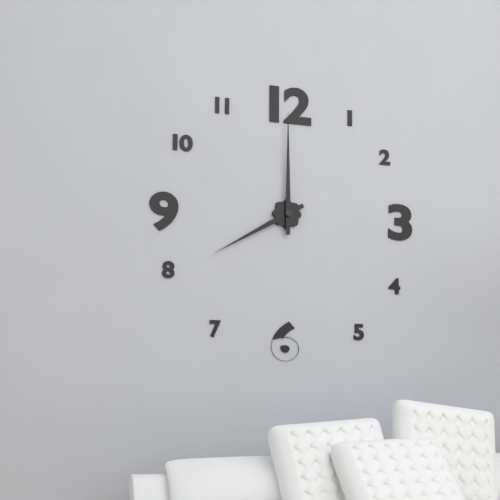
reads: 8,00
